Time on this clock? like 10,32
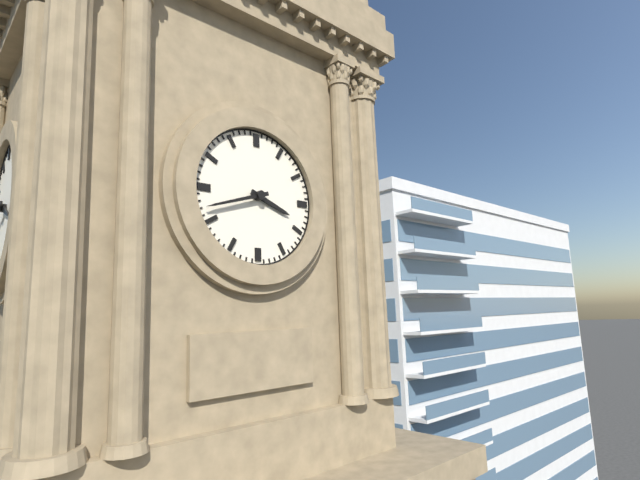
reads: 3,42
